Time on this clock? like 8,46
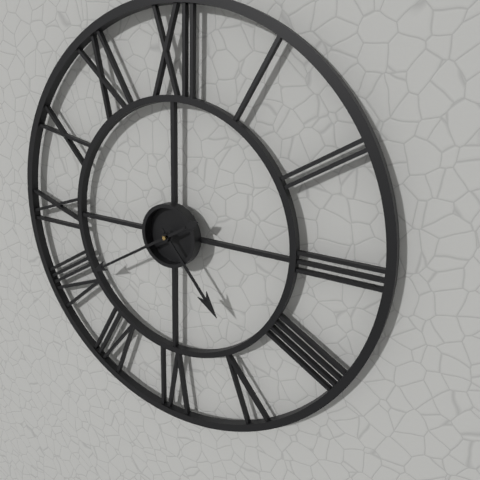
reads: 4,40
